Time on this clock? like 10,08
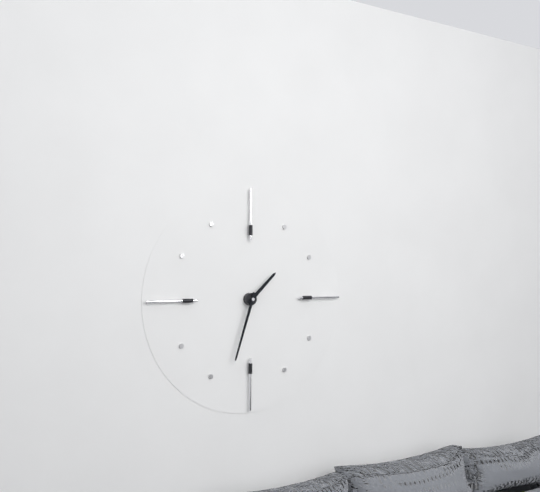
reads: 1,33
